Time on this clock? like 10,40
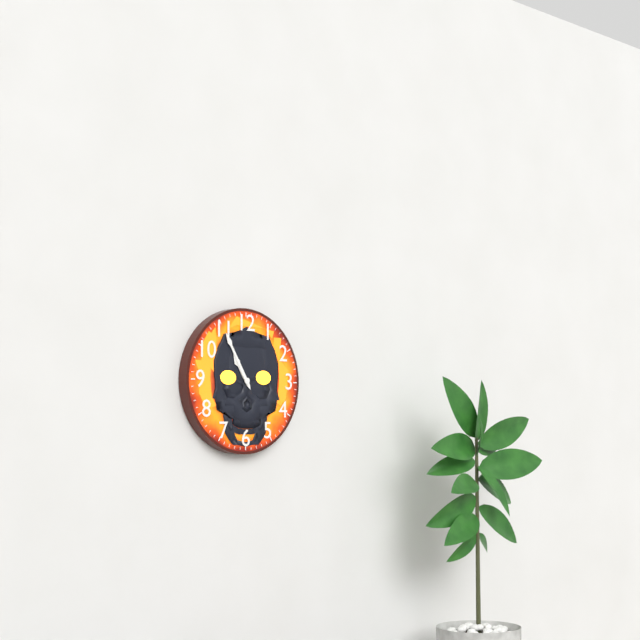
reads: 10,55
